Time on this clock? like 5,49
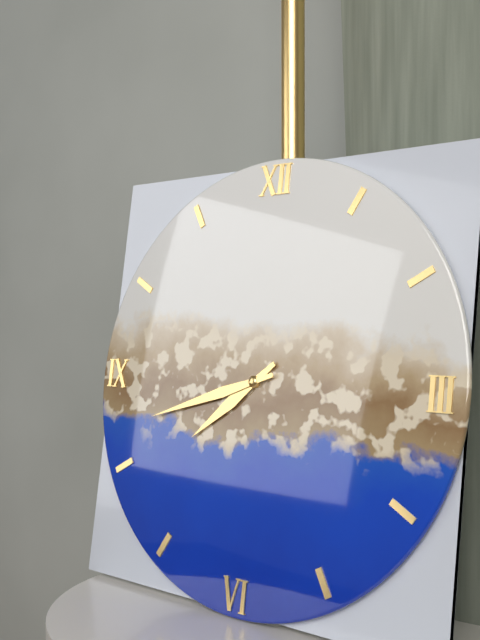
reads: 7,42
